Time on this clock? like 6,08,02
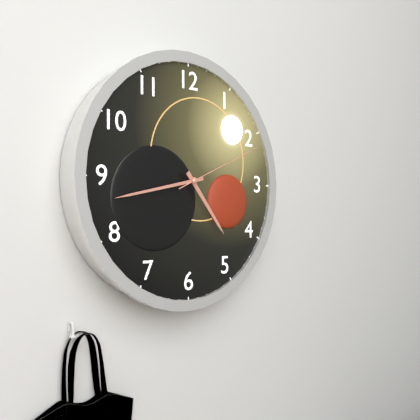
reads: 4,43,11
